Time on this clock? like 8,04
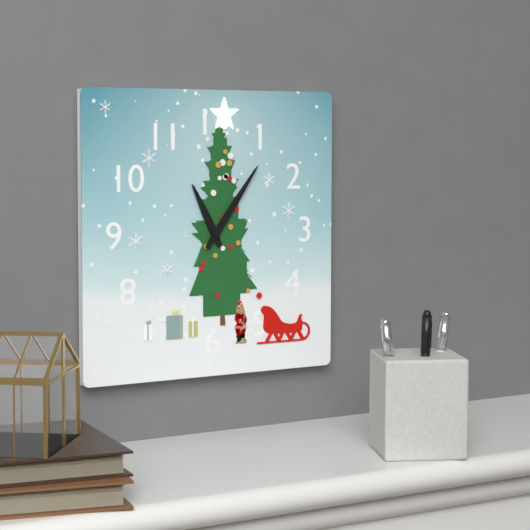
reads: 11,06
